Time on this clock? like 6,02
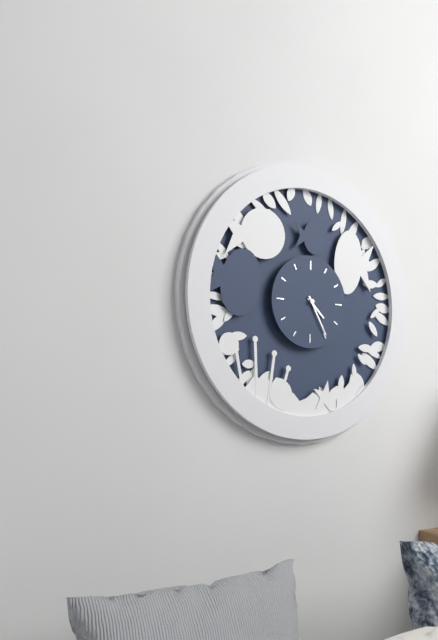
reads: 4,25
